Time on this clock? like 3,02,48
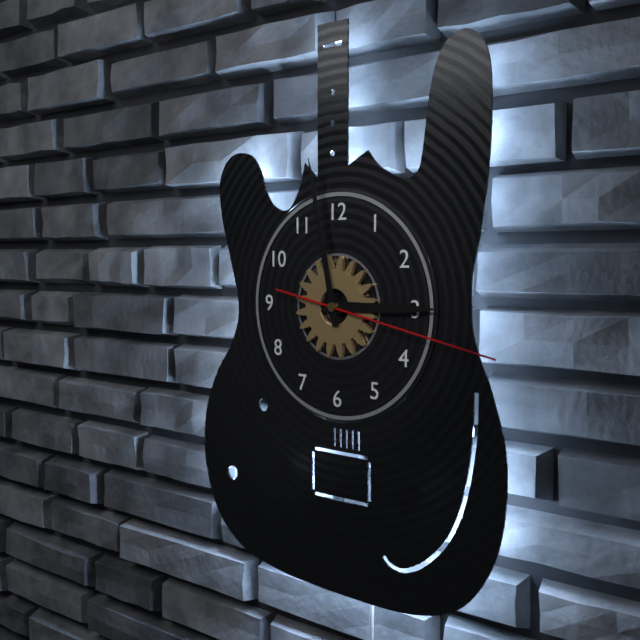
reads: 2,58,17
